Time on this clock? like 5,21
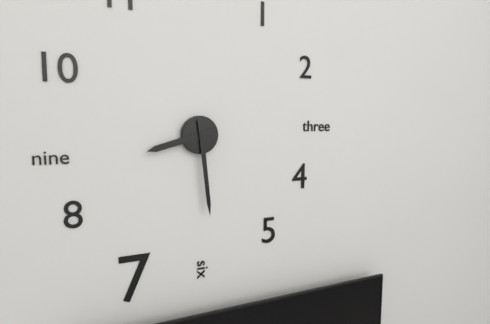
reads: 8,29
